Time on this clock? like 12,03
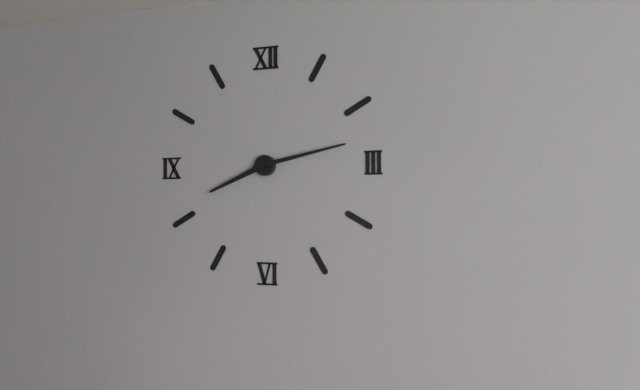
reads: 8,13
